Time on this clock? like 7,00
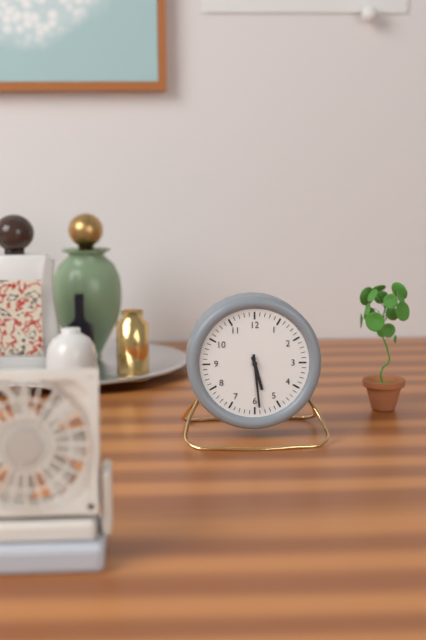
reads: 5,29
